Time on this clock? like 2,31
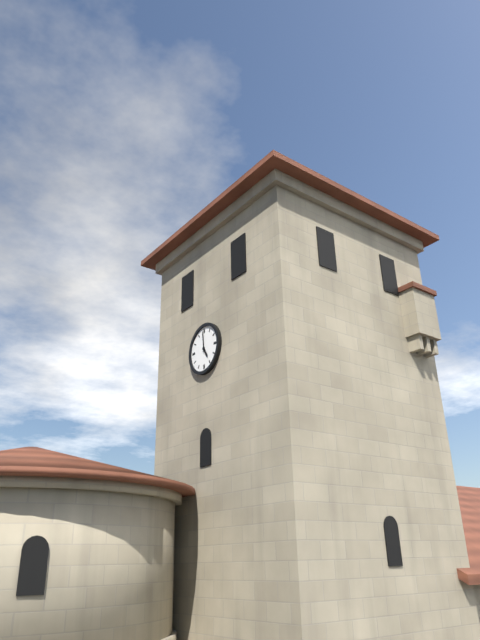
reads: 4,59
